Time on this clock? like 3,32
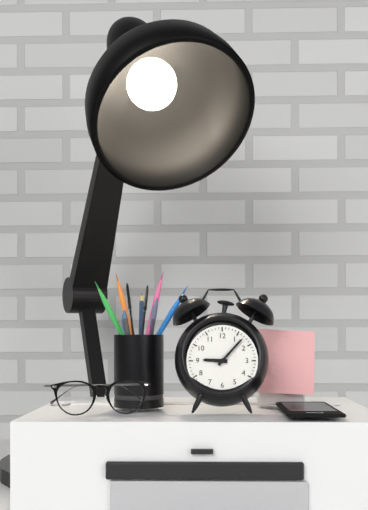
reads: 9,07
